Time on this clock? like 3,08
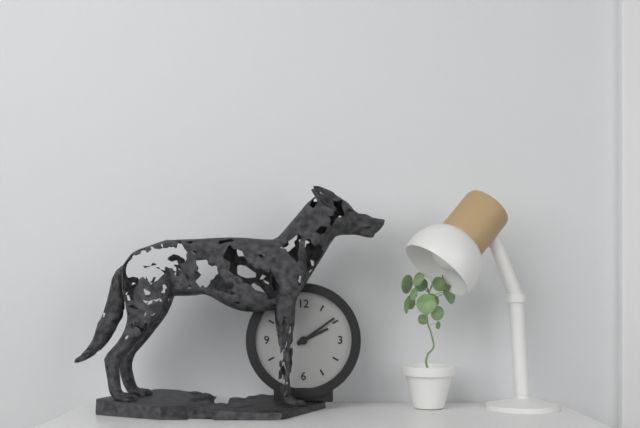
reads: 2,09
